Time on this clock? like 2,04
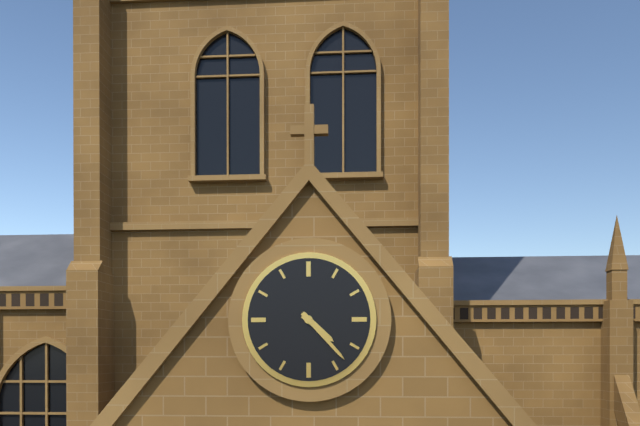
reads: 4,23
